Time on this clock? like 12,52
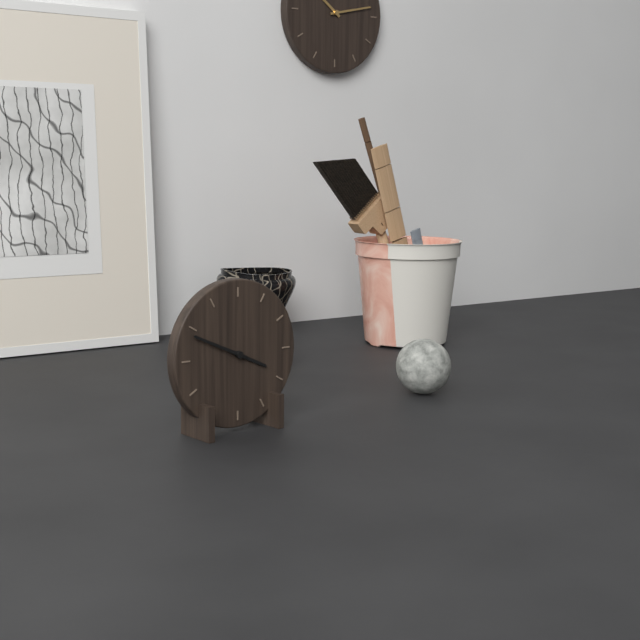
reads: 3,49
